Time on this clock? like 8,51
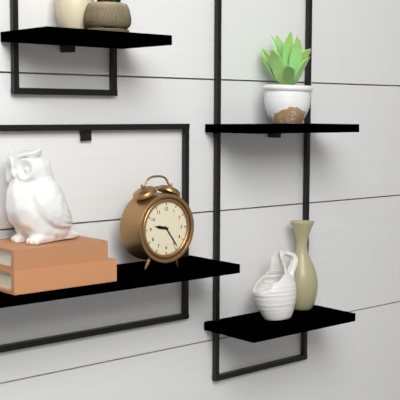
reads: 9,24
